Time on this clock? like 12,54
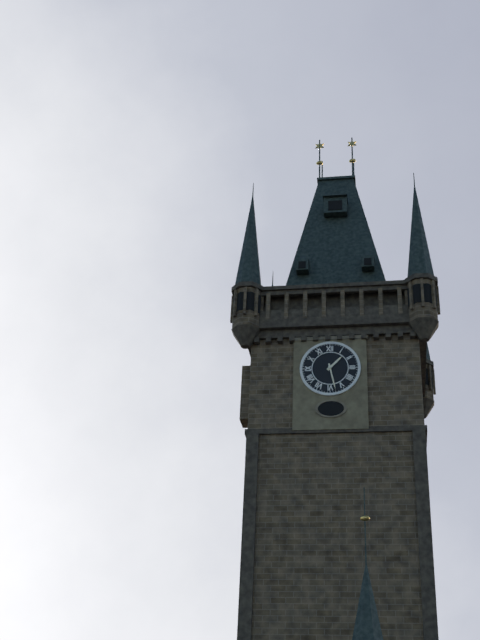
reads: 1,28
